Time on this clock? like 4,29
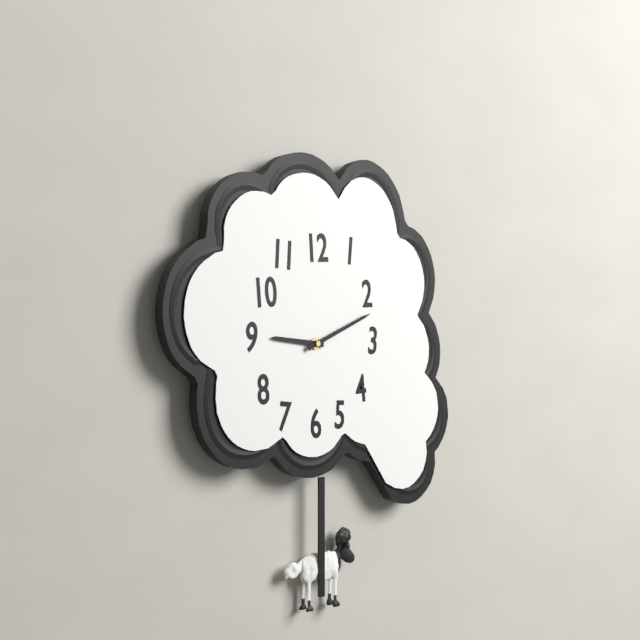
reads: 9,11
